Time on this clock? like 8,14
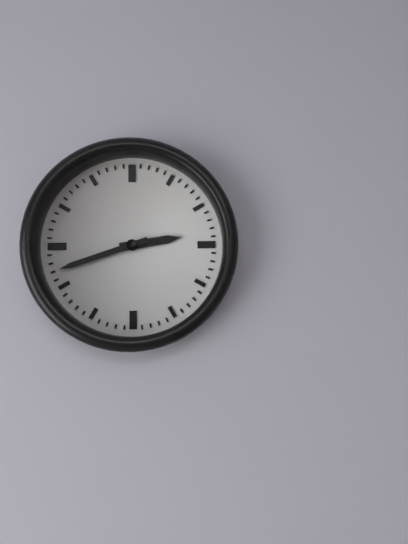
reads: 2,42
